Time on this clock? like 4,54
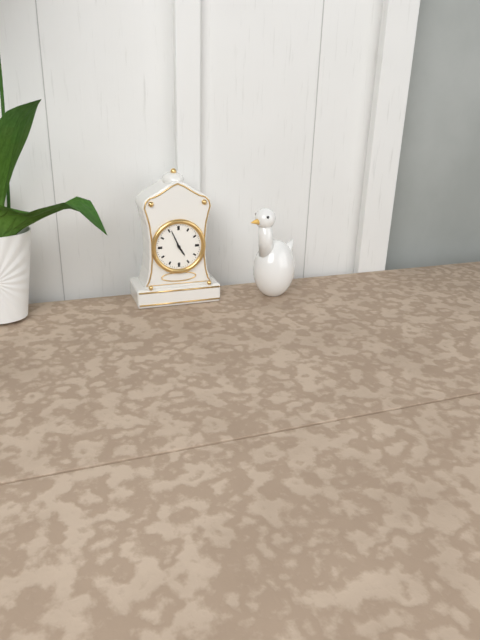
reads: 4,56
